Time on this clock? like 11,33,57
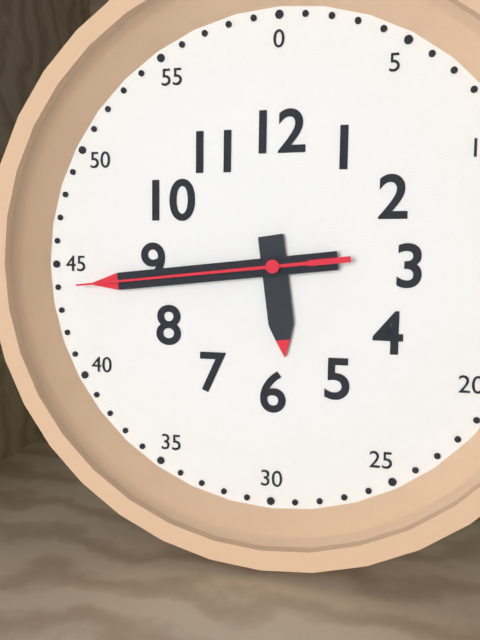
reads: 5,44,44
